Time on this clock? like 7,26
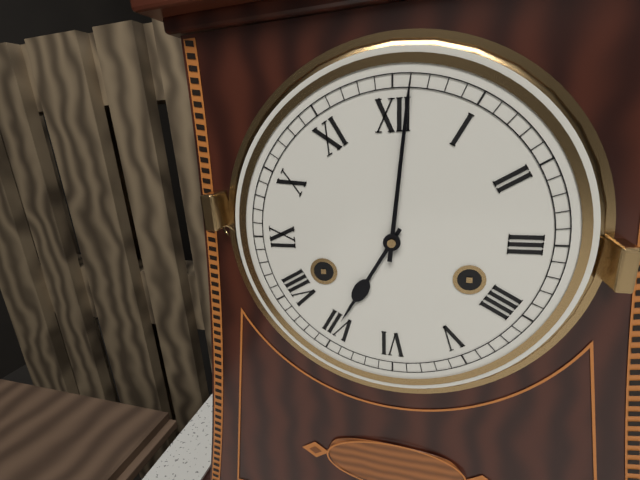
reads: 7,01
